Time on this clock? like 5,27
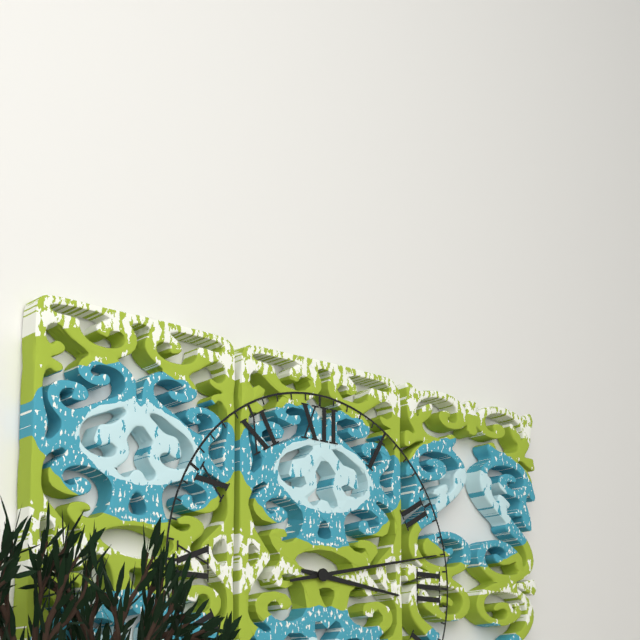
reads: 3,13
